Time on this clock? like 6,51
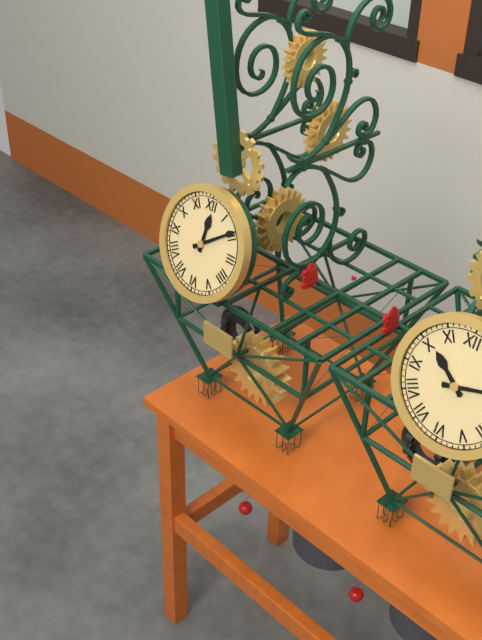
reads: 12,09
